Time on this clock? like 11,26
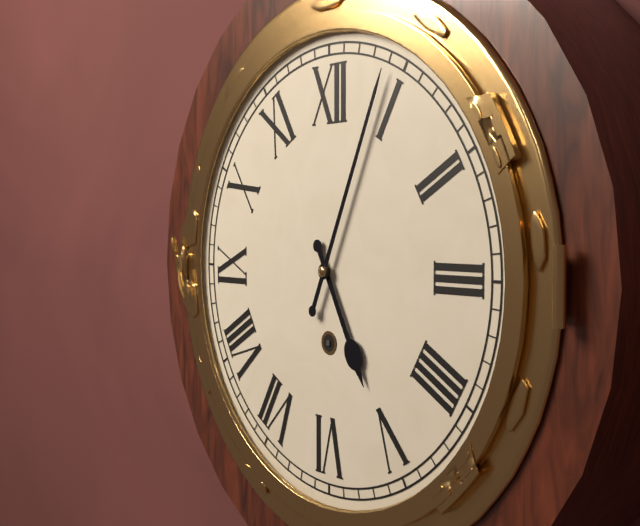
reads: 5,04
